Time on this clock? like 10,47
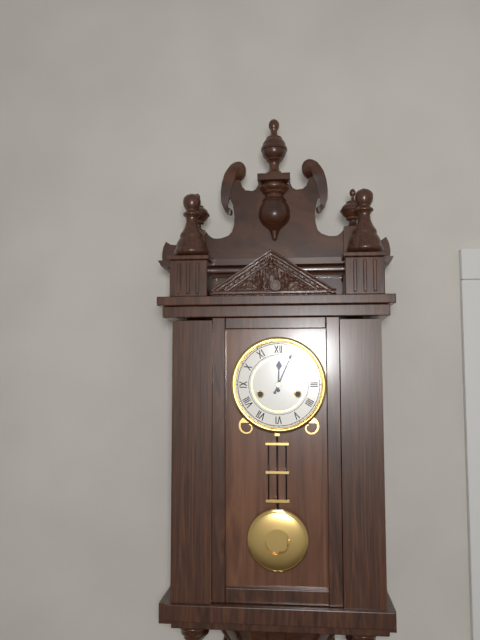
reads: 12,04
